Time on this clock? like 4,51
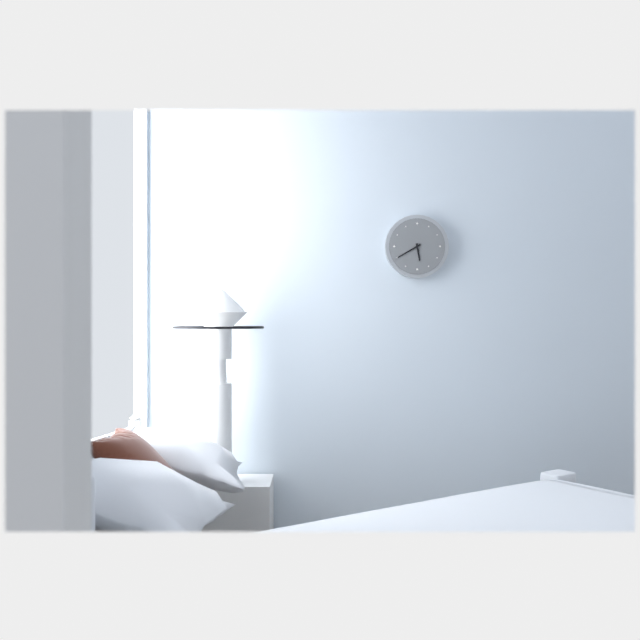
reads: 5,40
